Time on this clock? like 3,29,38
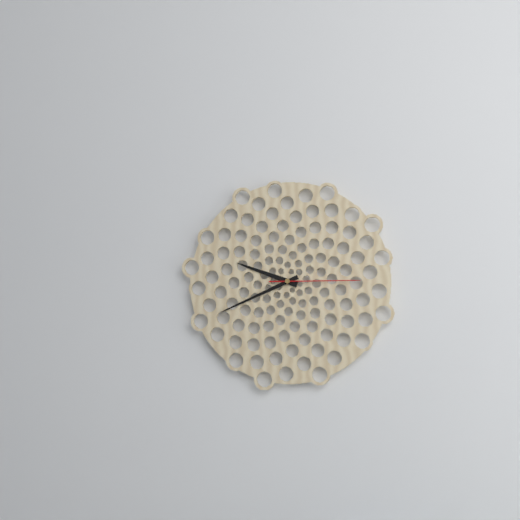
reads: 9,41,15
